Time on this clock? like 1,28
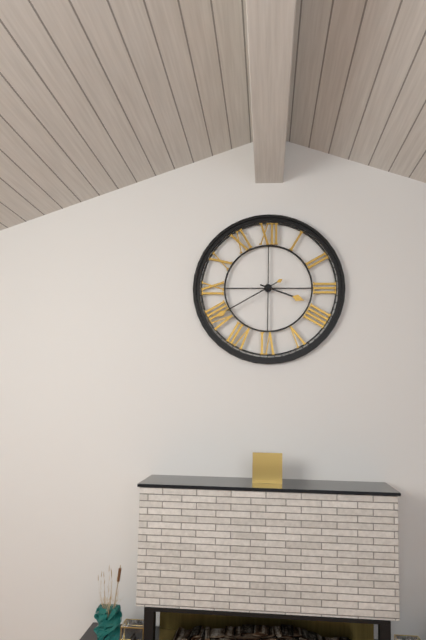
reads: 3,40
